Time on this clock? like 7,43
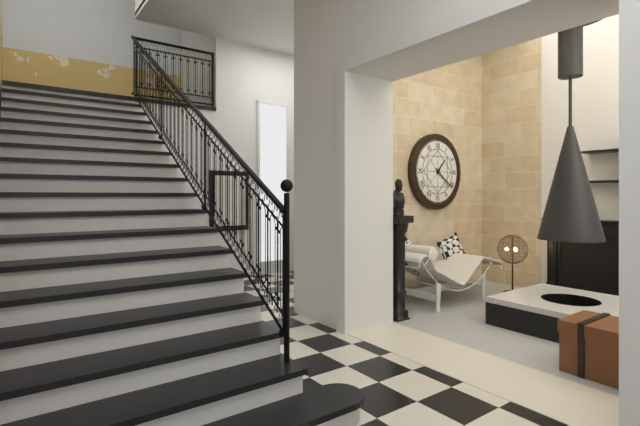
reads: 1,21
